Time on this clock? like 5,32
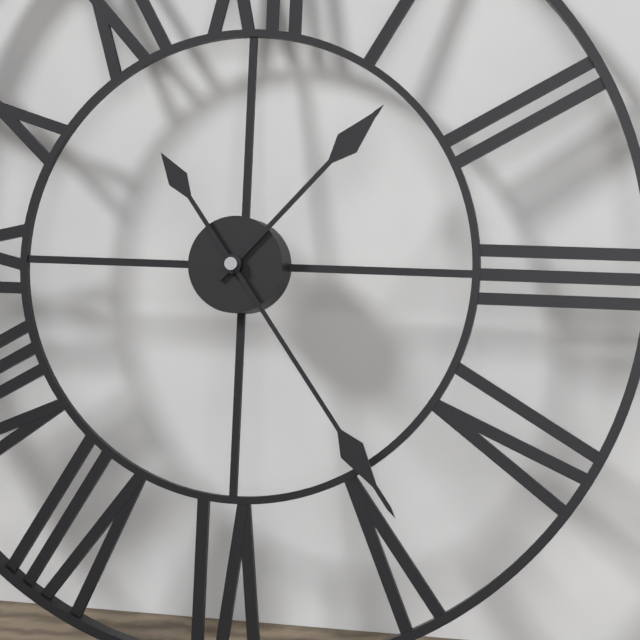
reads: 1,24
